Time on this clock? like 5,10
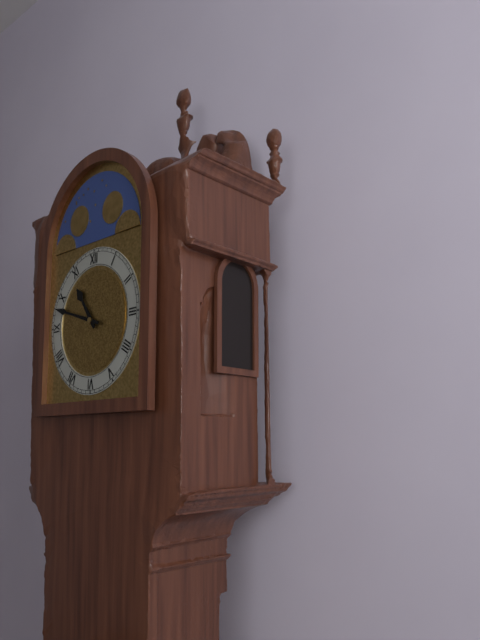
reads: 10,48
